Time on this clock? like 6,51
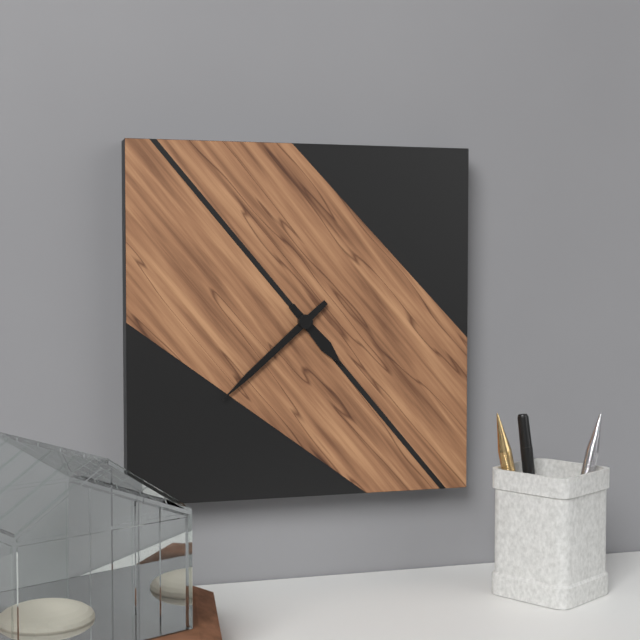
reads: 4,38
